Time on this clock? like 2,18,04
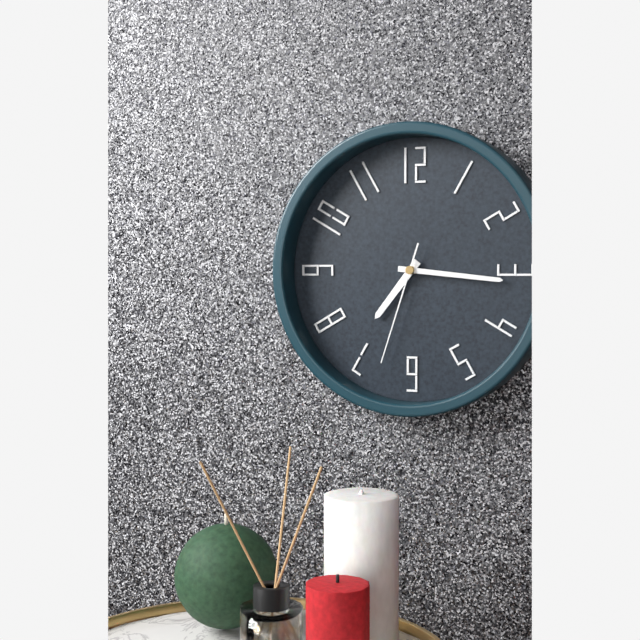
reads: 7,16,33
